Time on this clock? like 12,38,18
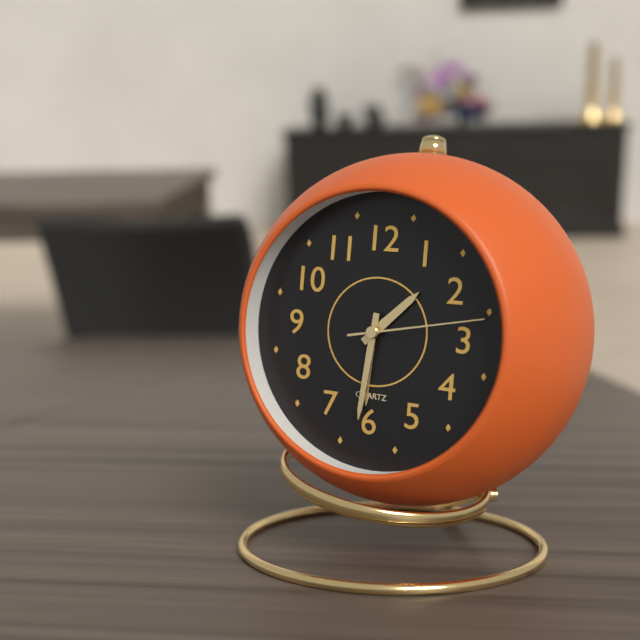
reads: 1,31,13
